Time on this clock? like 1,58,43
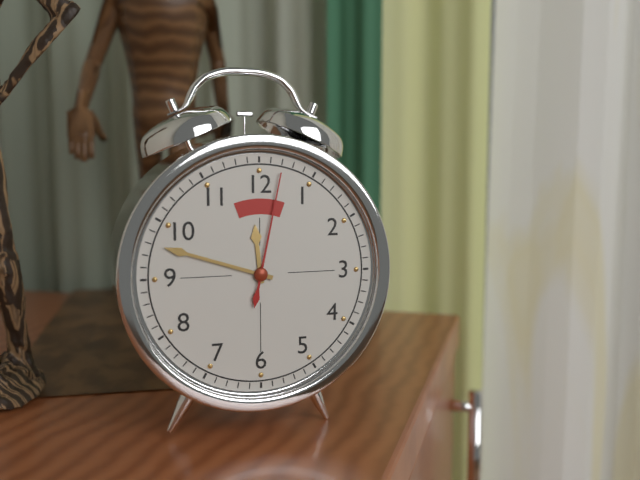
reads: 11,48,02
